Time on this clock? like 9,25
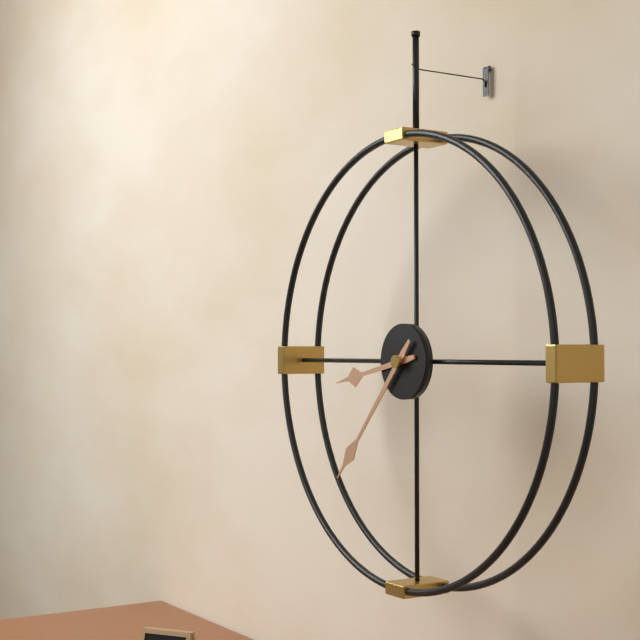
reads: 8,37
